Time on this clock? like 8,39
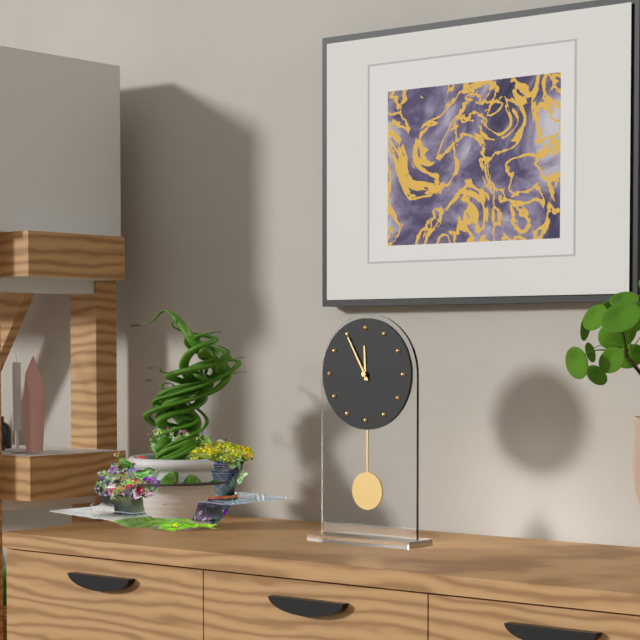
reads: 11,55
